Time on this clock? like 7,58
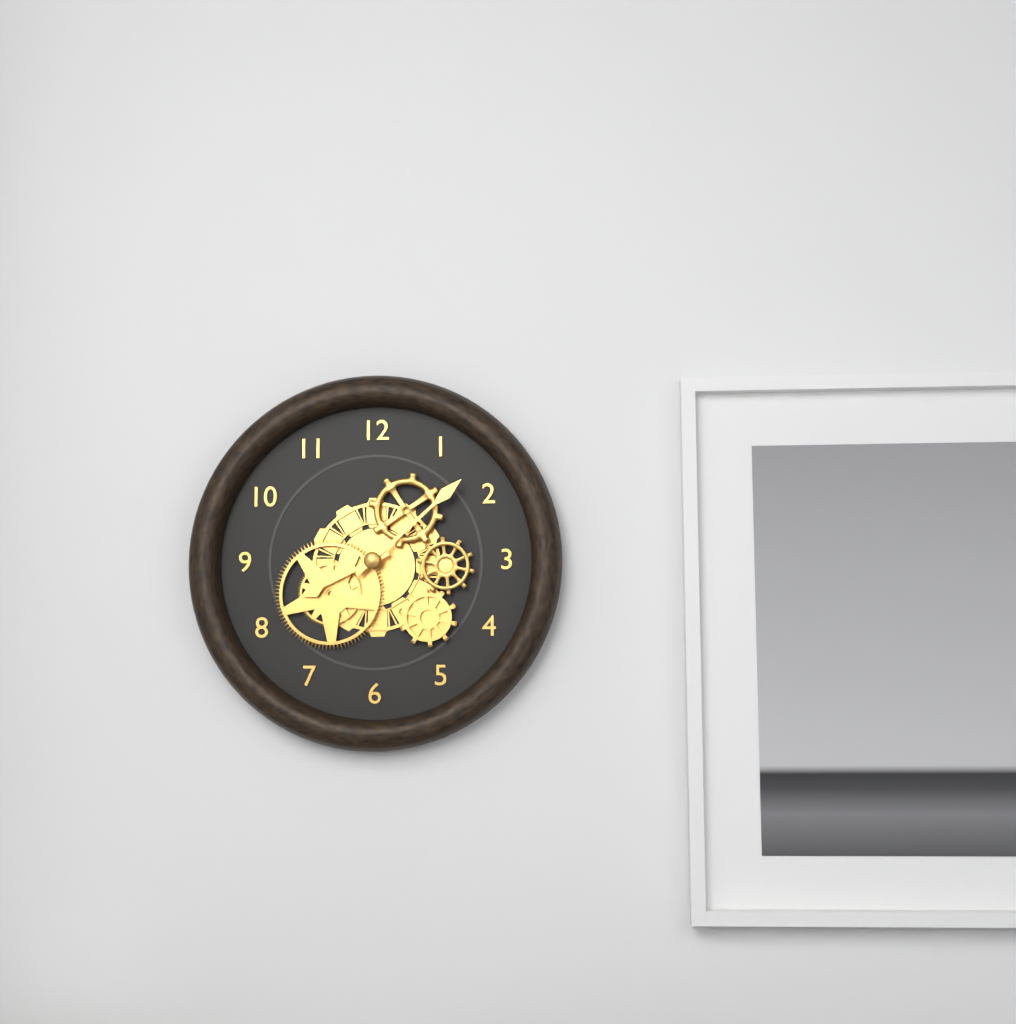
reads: 8,08
